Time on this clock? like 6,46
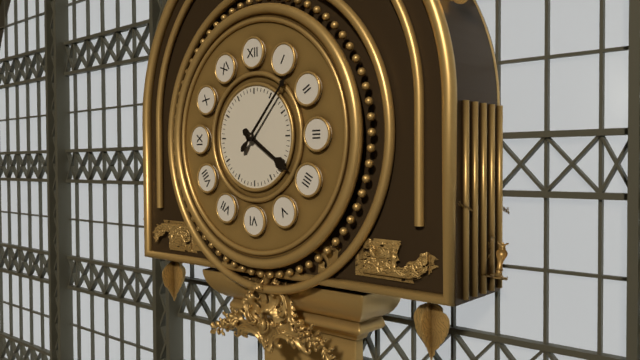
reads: 4,07
